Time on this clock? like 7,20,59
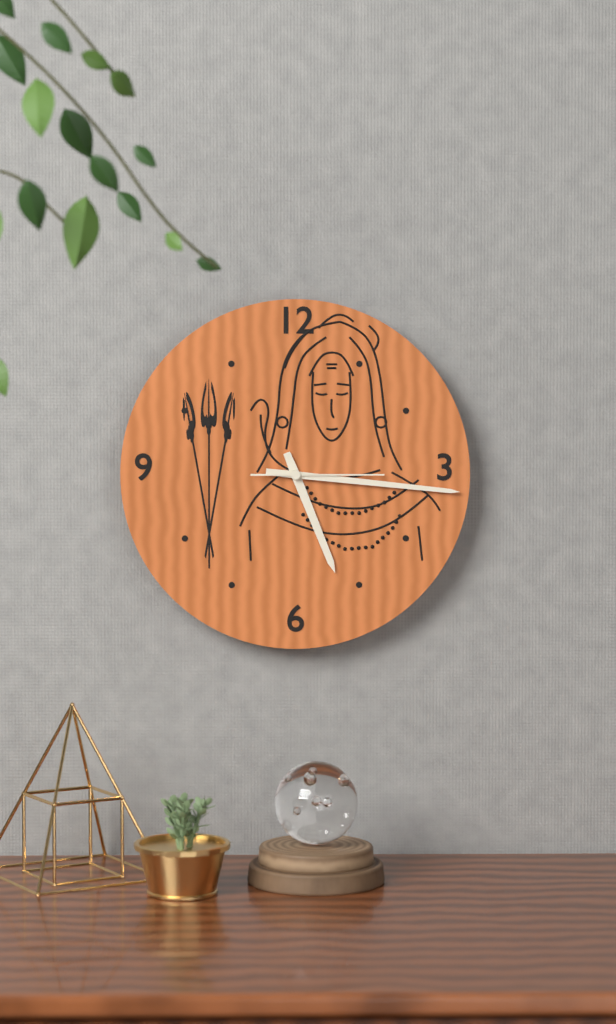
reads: 5,16,15
